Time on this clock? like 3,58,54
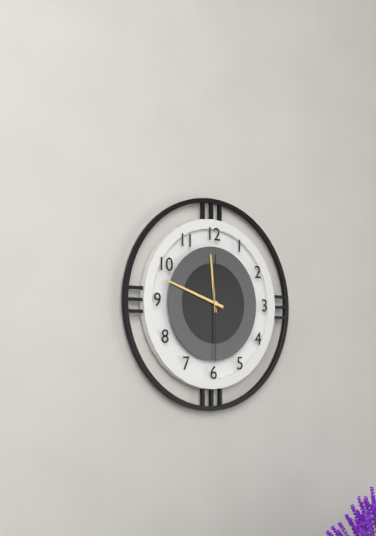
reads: 11,48,30
